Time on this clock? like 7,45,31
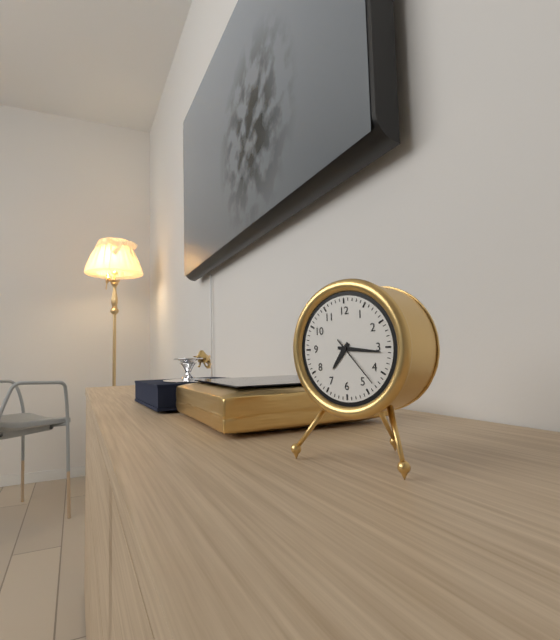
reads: 7,16,23
